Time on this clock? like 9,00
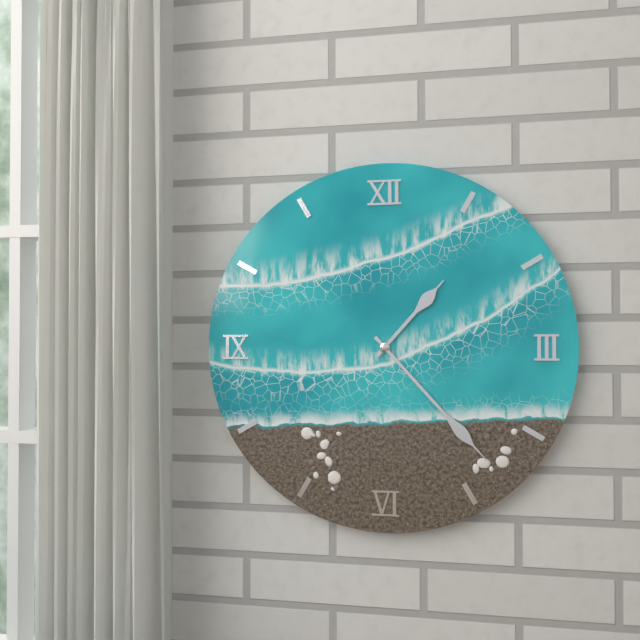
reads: 1,23
